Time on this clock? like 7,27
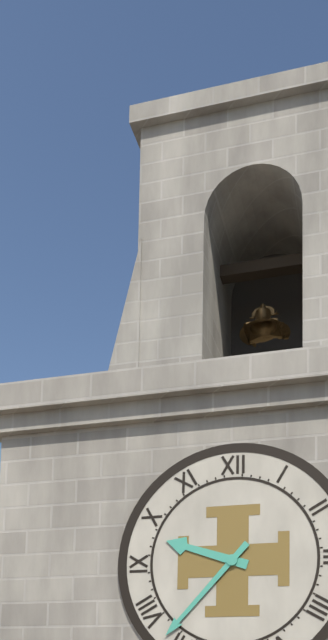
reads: 9,37
